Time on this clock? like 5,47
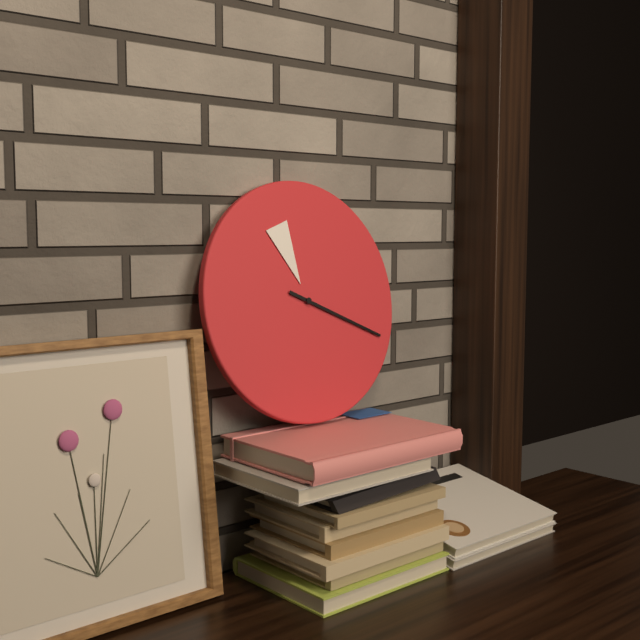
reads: 11,19
